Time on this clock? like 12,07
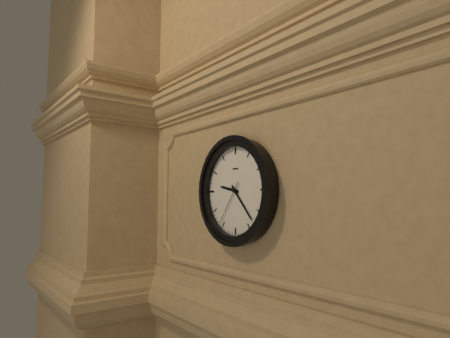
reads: 9,23
